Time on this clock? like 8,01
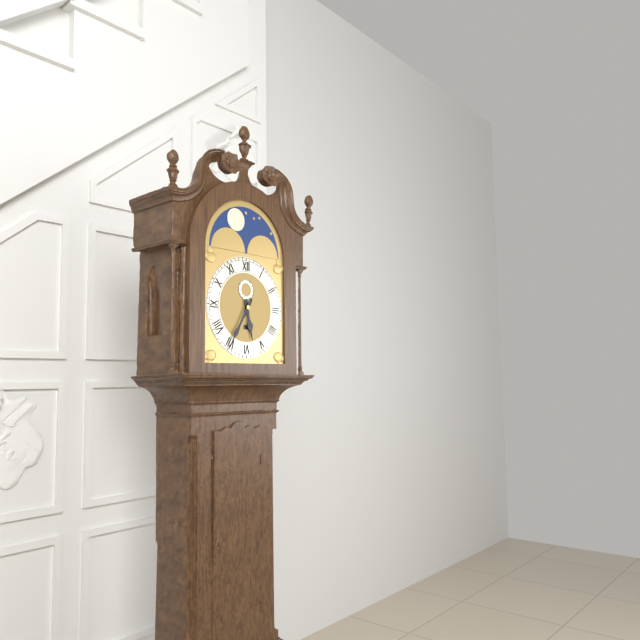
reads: 5,35
